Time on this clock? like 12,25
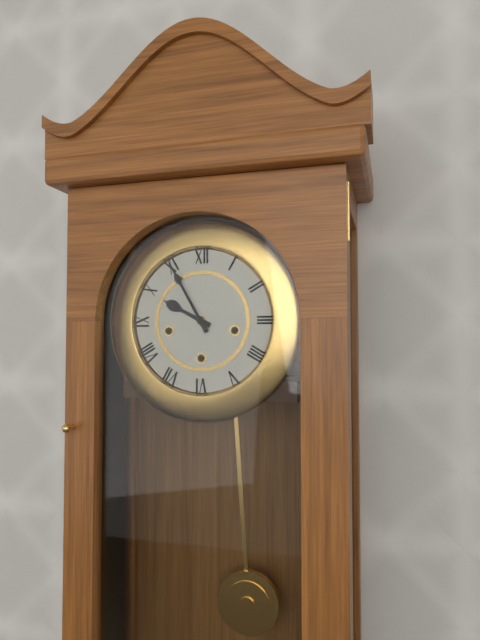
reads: 9,55
